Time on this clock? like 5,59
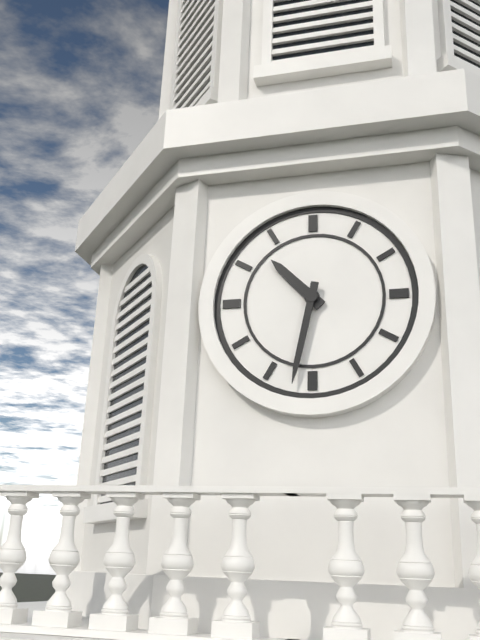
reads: 10,32
